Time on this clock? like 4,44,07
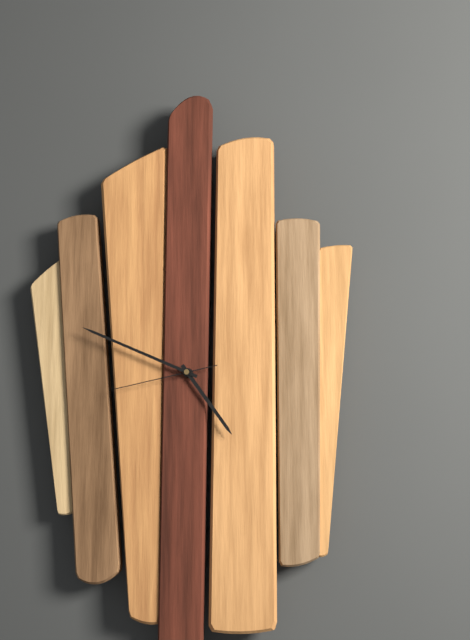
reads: 4,49,43
